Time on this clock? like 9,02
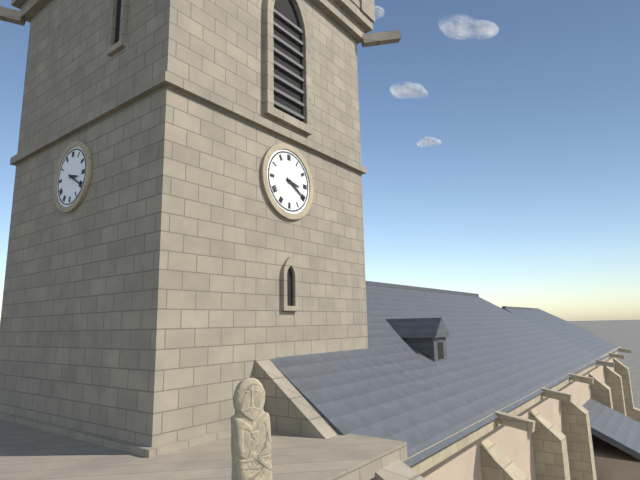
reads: 3,20
